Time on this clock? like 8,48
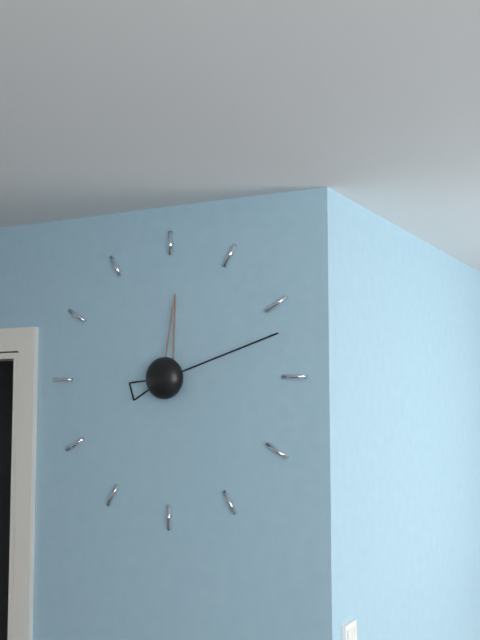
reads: 12,12
